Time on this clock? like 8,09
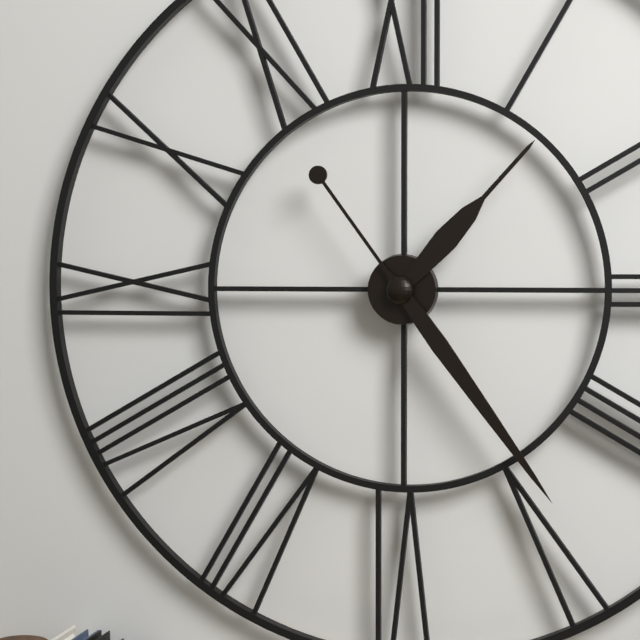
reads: 1,24
